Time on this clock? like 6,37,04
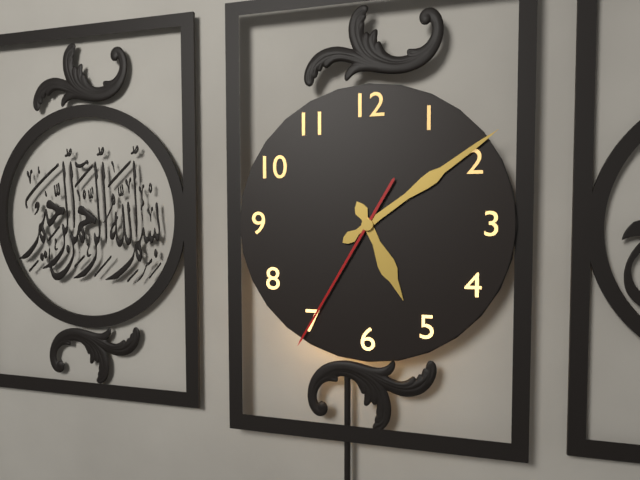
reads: 5,09,35
